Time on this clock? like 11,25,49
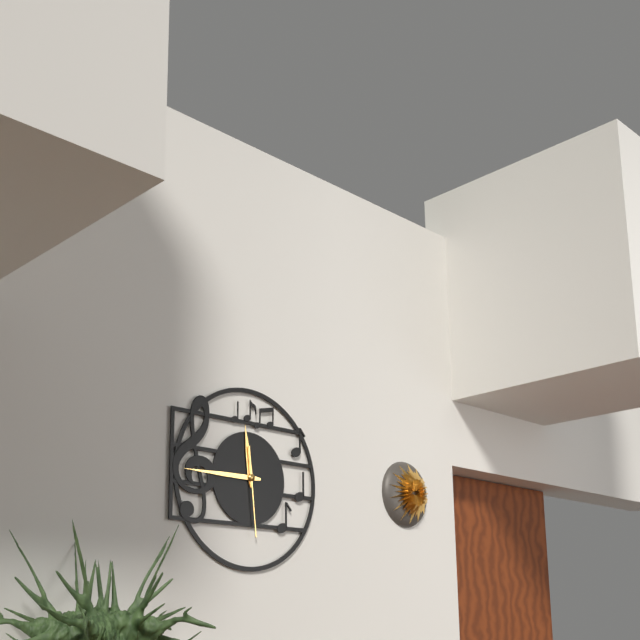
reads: 11,45,29
